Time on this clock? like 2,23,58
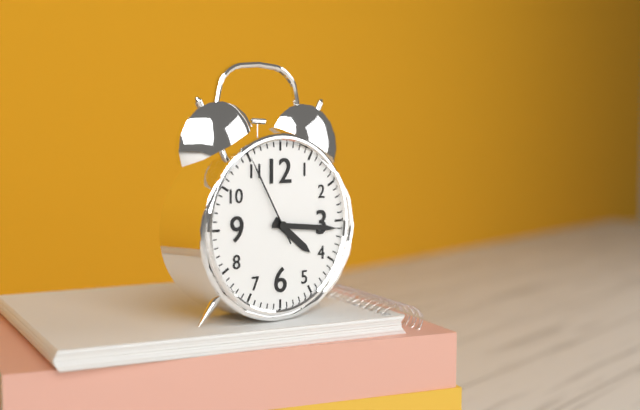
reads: 4,16,55
